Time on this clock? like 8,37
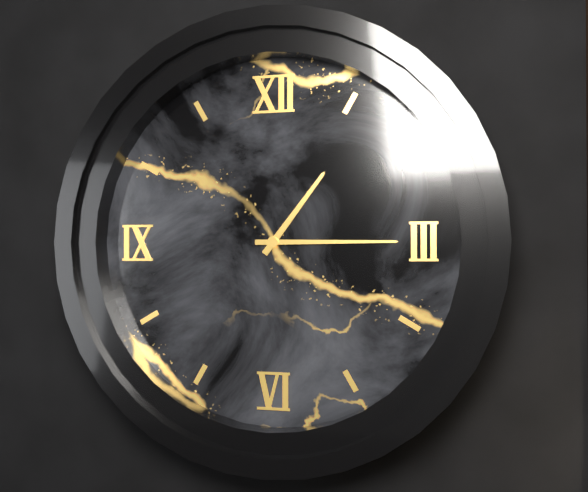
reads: 1,15
